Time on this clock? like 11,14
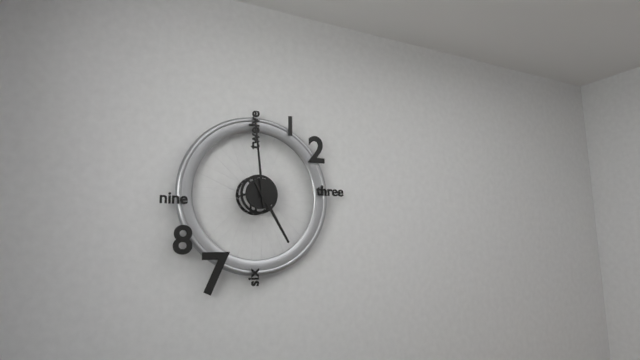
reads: 4,59
